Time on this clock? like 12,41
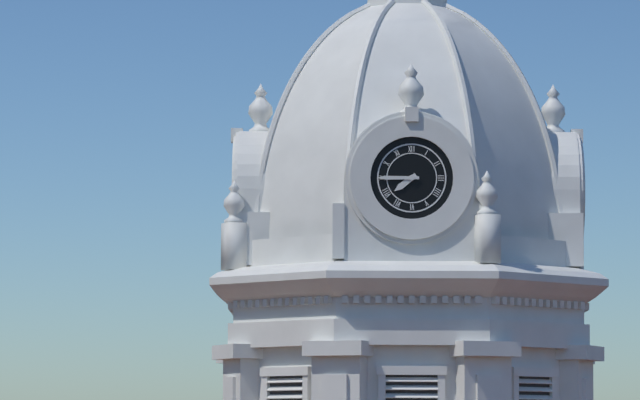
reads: 7,45
